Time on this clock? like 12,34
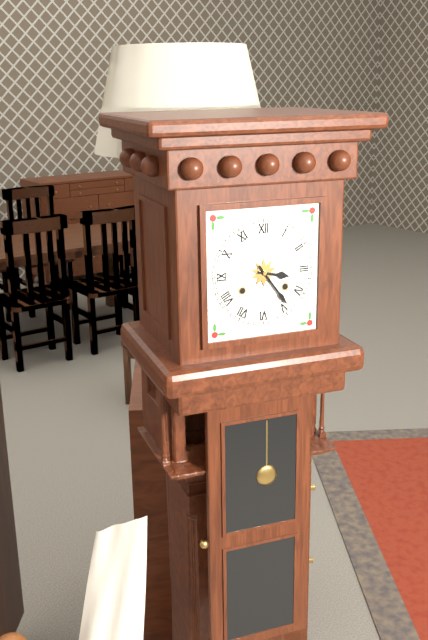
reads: 3,24
